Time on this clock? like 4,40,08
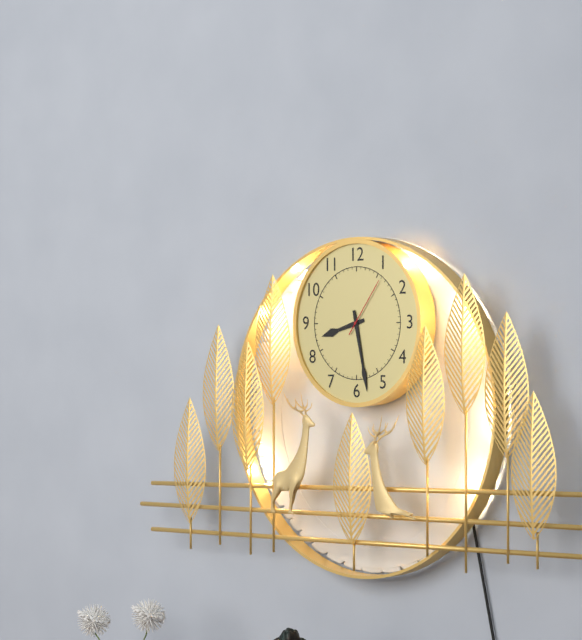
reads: 8,28,06
